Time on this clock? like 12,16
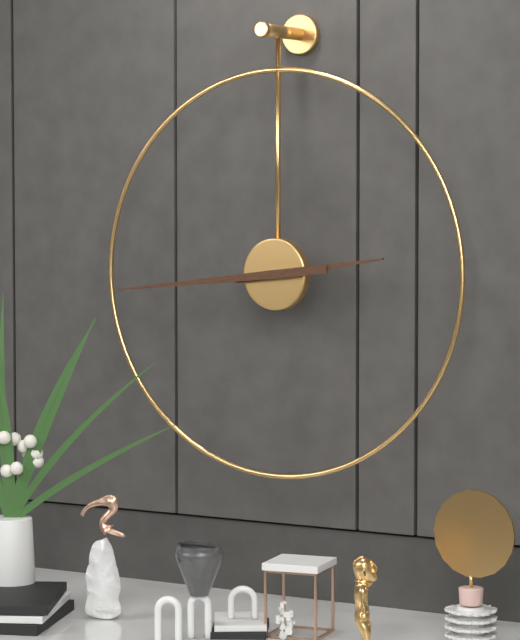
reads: 2,44
